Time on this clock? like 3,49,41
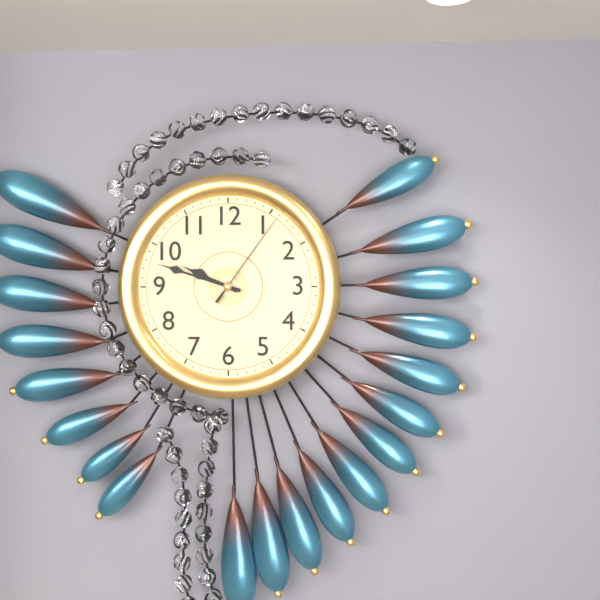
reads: 9,48,06
